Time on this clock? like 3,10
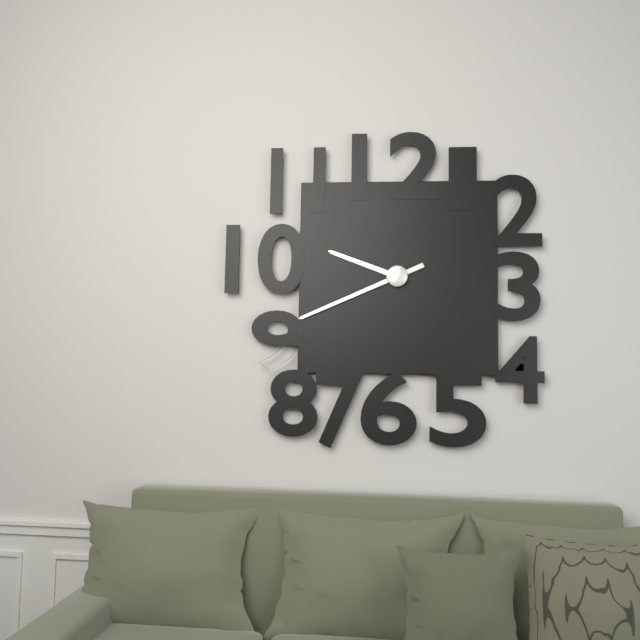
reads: 9,41
